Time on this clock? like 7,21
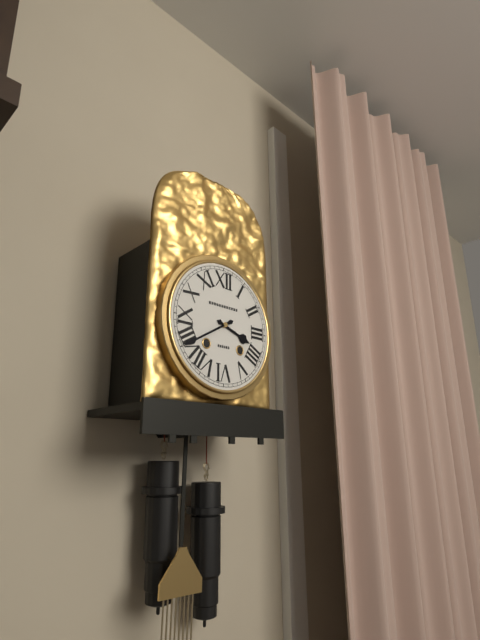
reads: 3,40
